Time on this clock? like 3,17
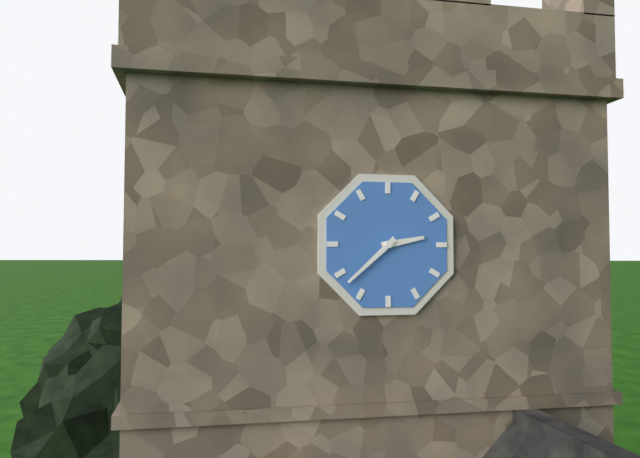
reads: 2,38
